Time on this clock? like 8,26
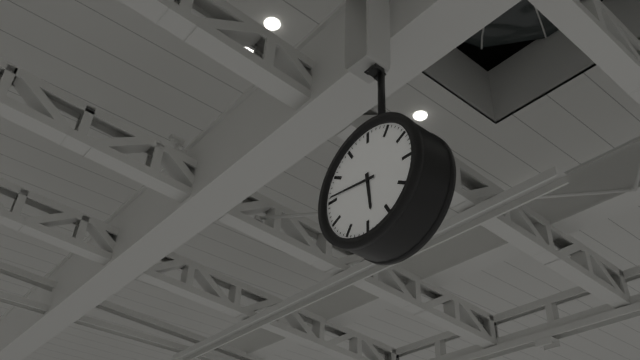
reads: 5,46
